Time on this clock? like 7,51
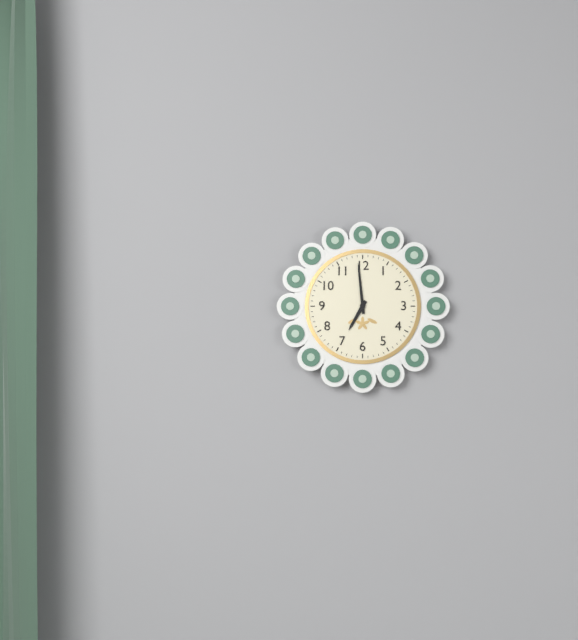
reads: 6,59
